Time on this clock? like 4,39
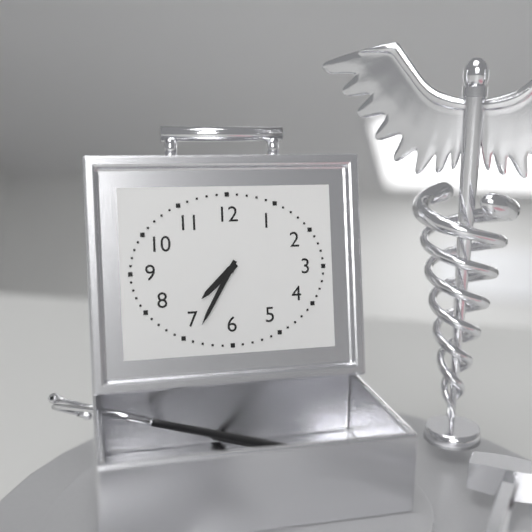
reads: 7,35
